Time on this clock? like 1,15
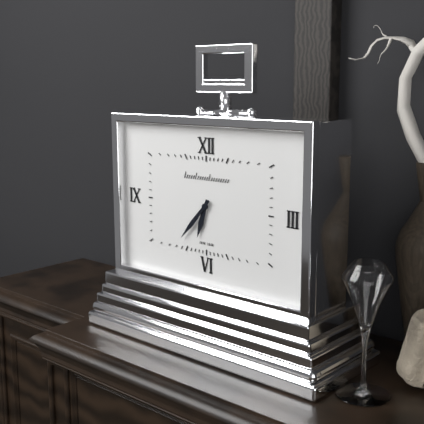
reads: 6,37
